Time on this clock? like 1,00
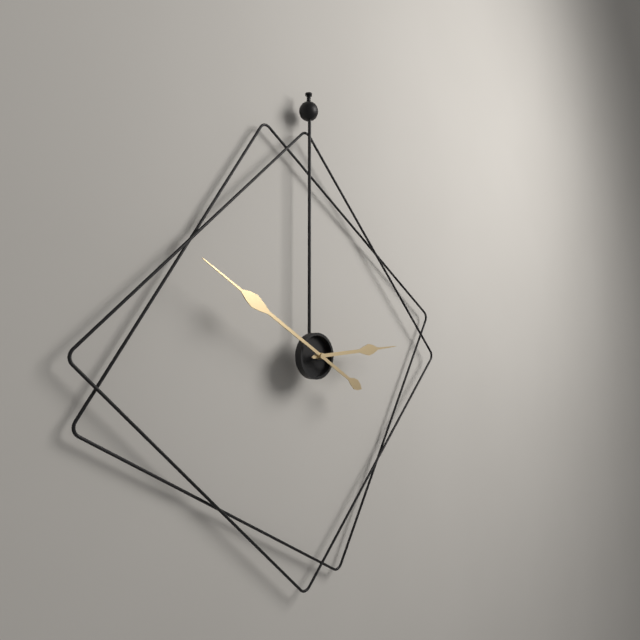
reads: 2,50
